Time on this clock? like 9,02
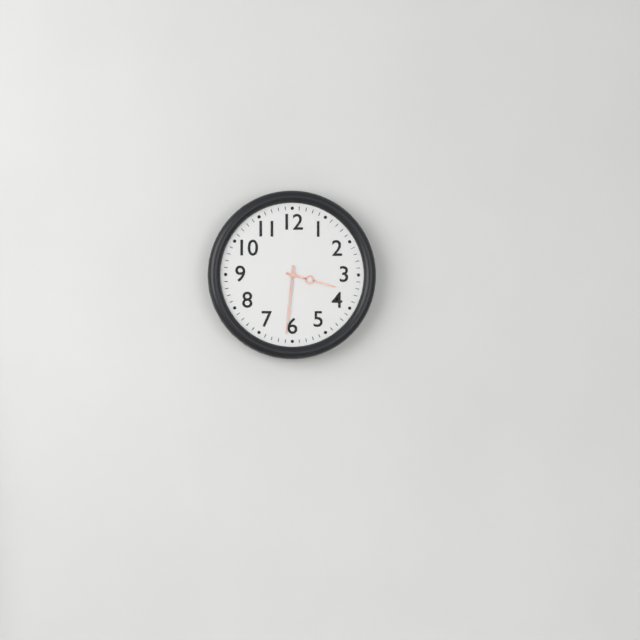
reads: 3,31
